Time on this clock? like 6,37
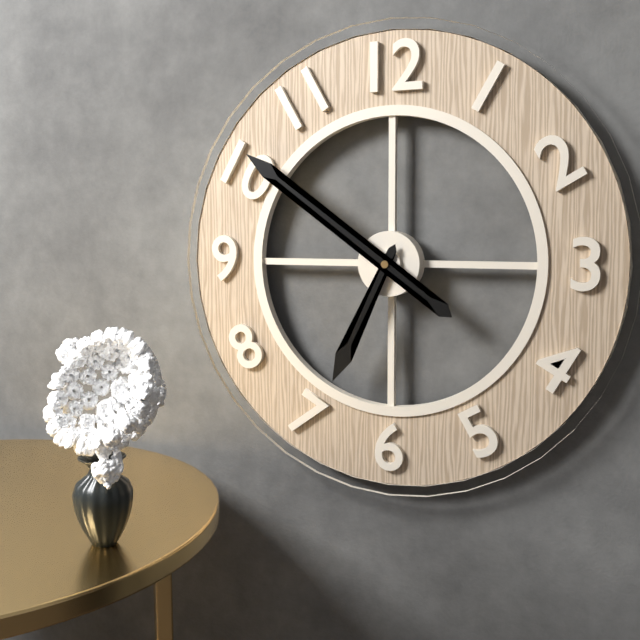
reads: 6,51
